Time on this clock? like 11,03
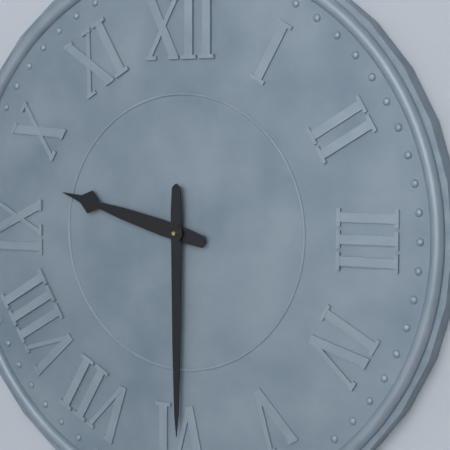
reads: 9,30
